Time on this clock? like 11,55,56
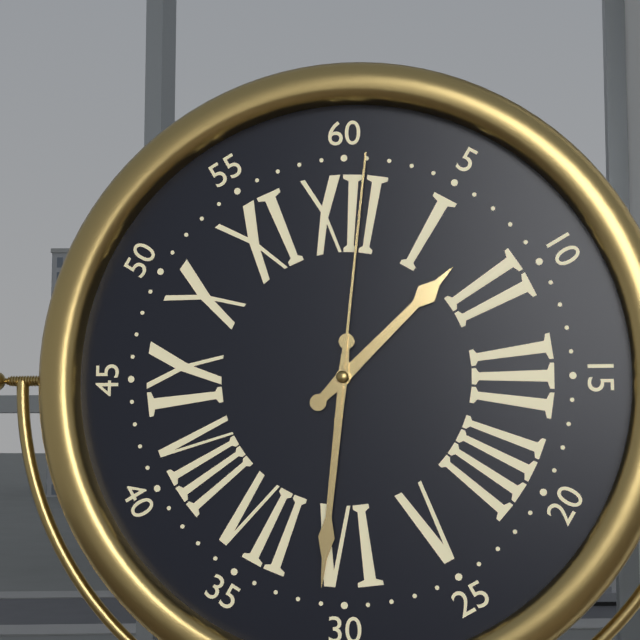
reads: 1,31,01
